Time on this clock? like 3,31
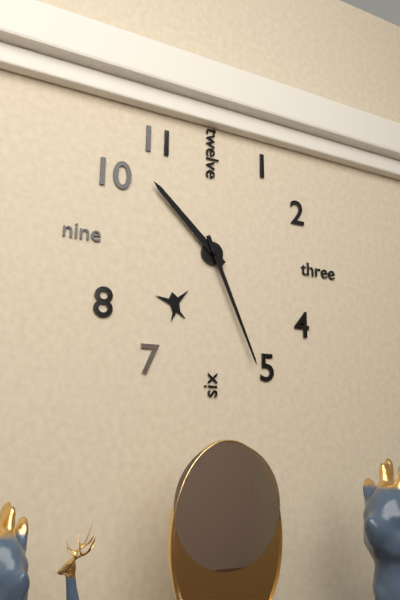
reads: 10,26
